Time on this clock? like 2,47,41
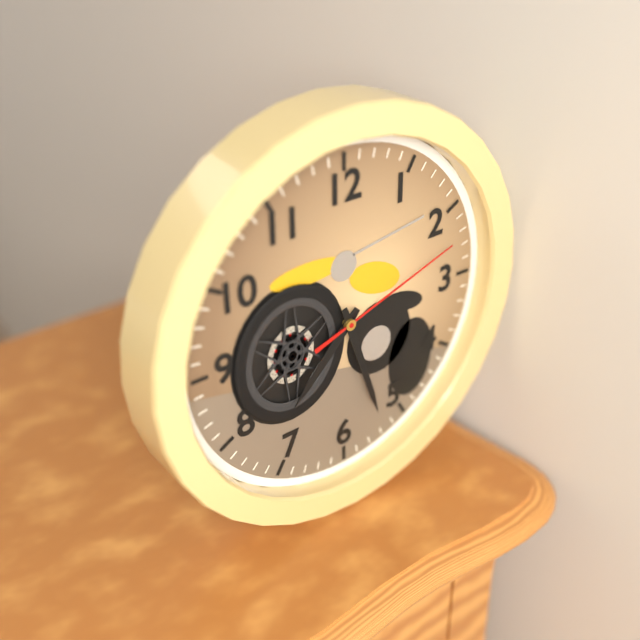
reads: 7,27,12
